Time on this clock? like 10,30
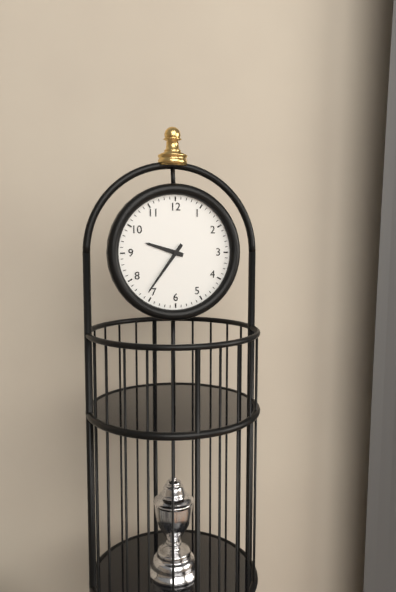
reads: 9,36
